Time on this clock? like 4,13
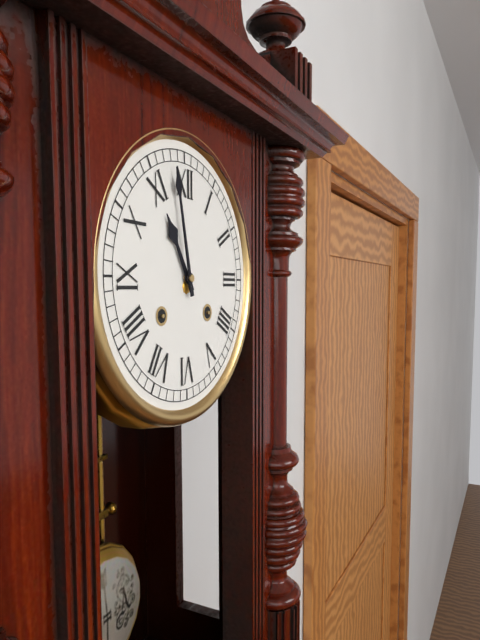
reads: 10,58
